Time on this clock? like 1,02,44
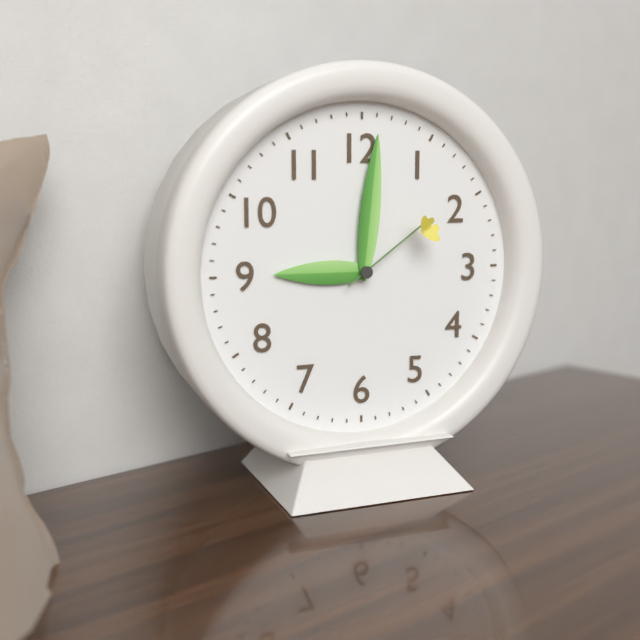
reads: 9,01,09
